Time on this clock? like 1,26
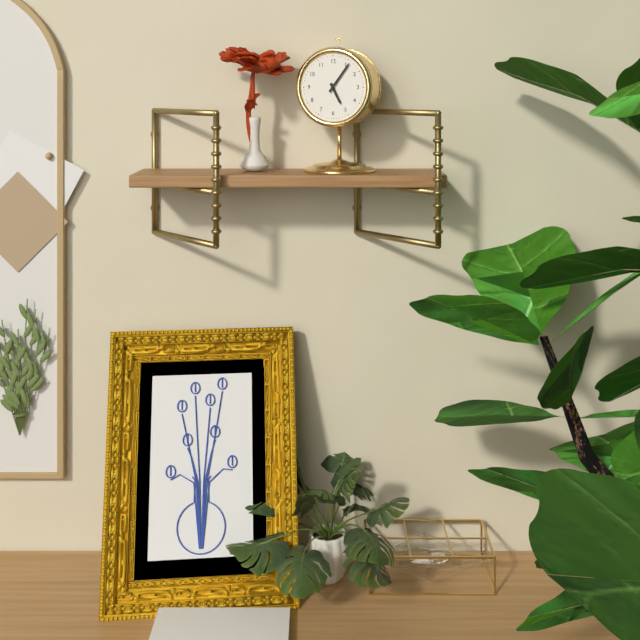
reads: 5,06
